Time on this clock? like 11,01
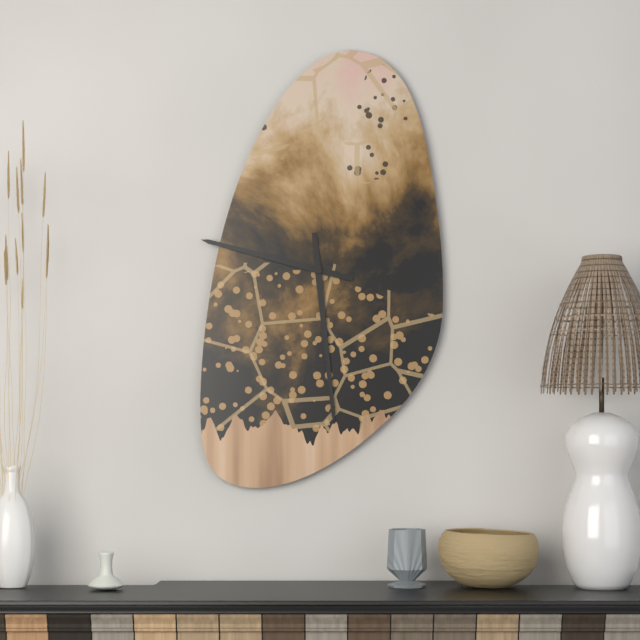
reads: 9,29
